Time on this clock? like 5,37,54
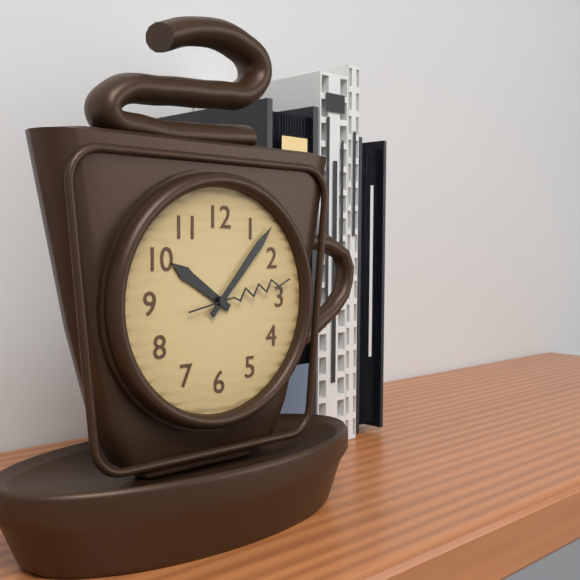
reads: 10,07,13
